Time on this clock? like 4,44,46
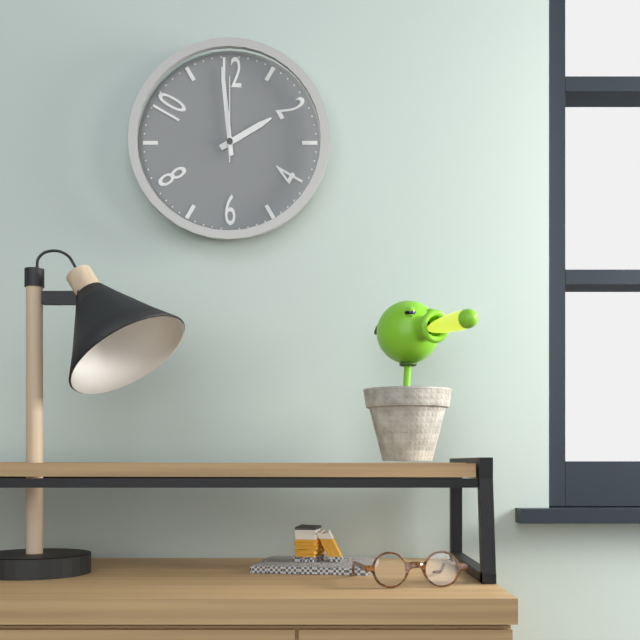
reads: 1,59,00
